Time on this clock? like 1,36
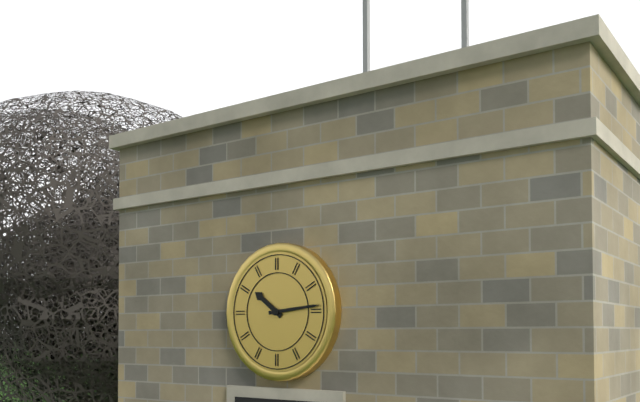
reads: 10,14
